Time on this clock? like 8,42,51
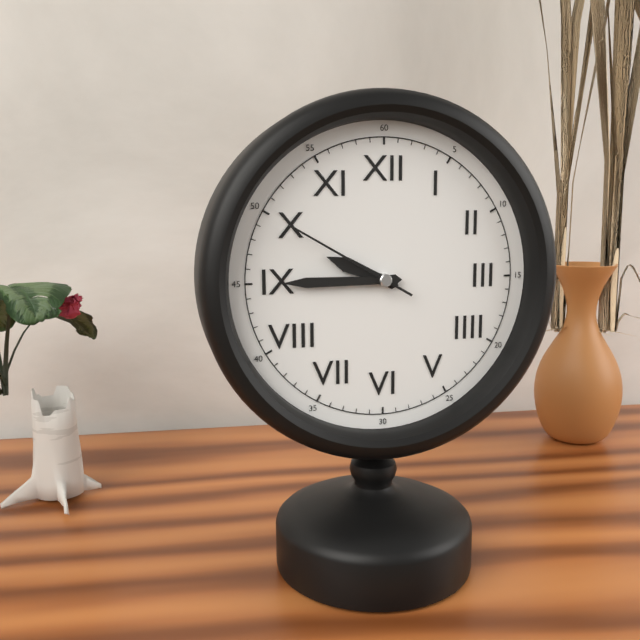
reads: 9,45,50
